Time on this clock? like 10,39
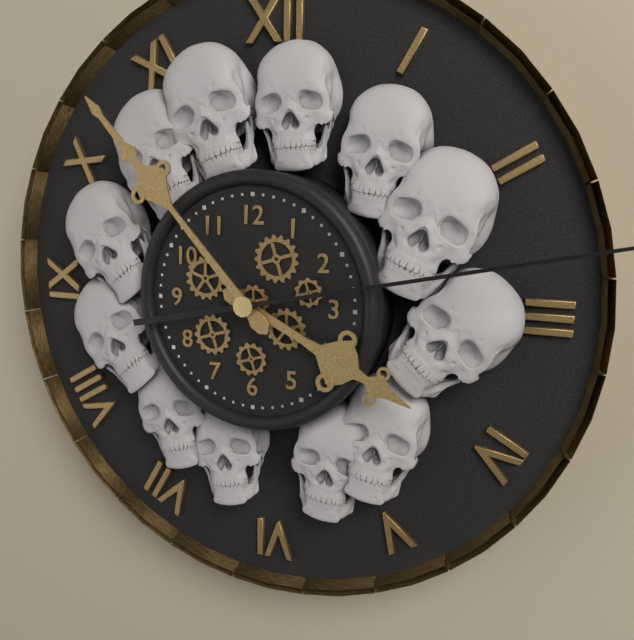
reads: 3,53
